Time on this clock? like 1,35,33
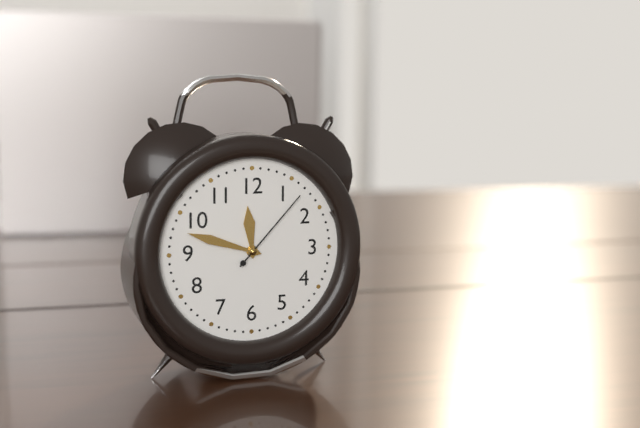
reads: 11,48,07
